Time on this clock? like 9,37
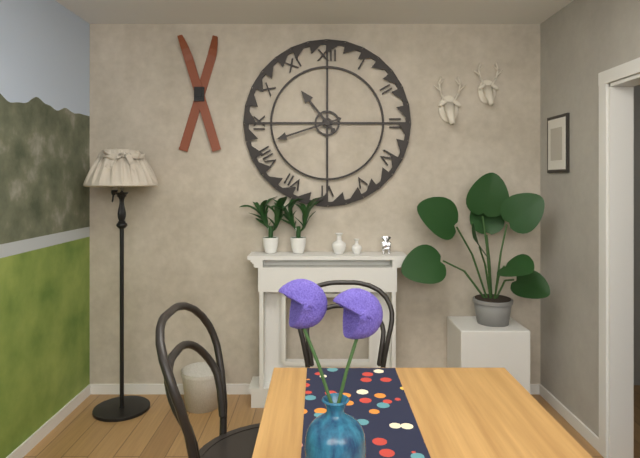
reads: 10,42
